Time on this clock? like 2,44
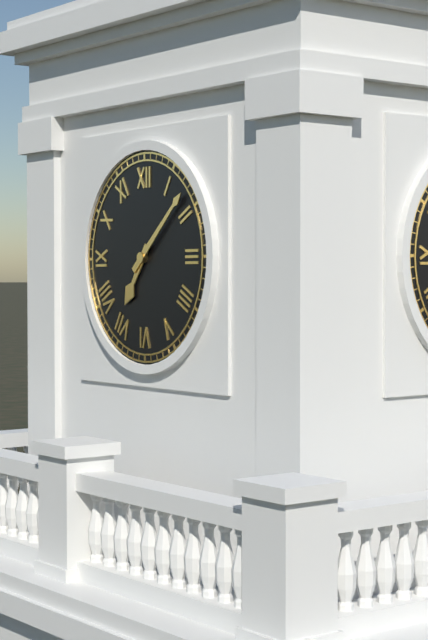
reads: 7,08
